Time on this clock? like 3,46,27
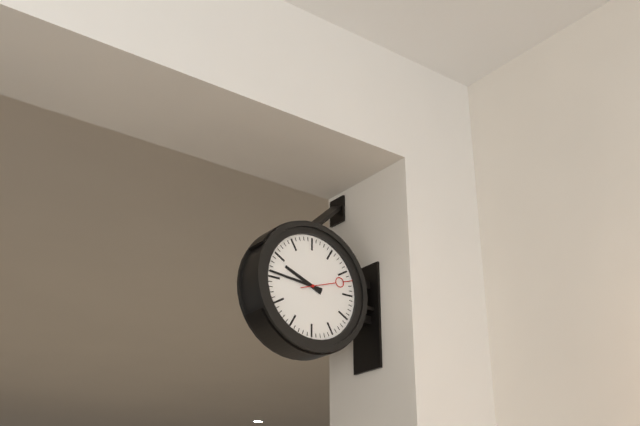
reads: 9,46,12
